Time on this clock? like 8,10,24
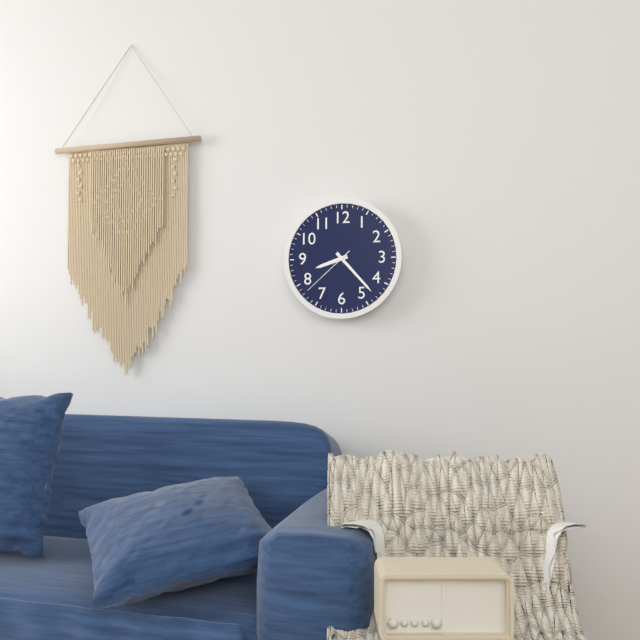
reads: 8,23,38
